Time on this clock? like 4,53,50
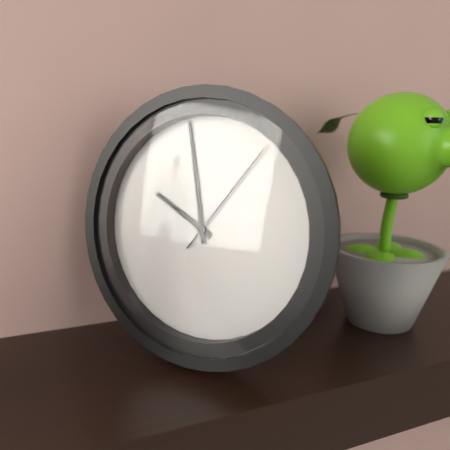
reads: 9,58,06
